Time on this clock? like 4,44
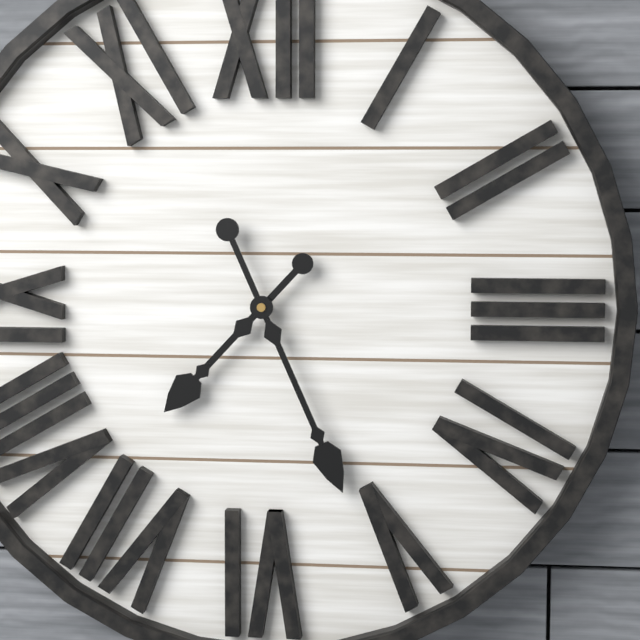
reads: 7,26
